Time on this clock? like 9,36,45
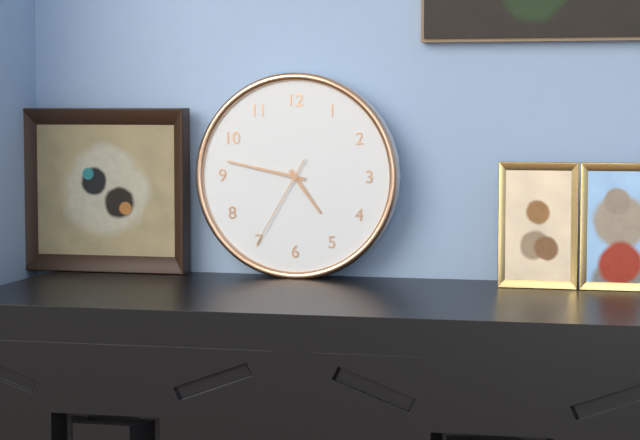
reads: 4,47,35
